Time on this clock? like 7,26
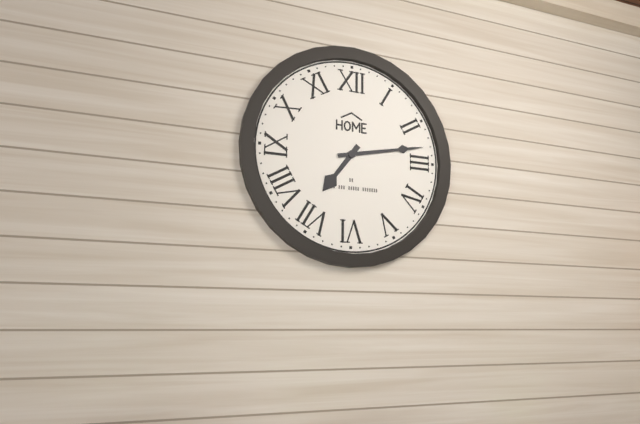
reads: 7,13
